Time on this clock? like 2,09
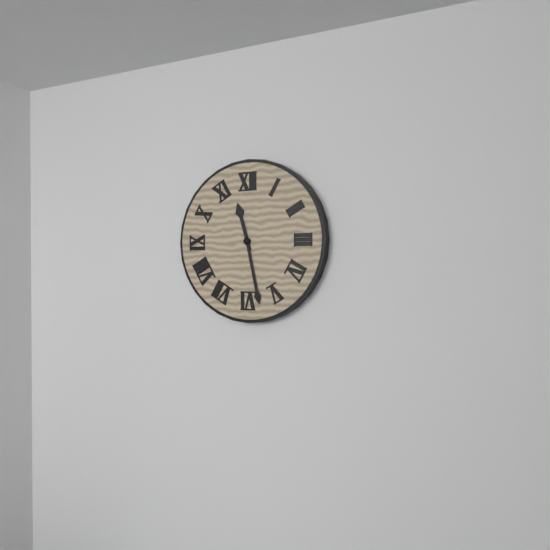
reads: 11,28
